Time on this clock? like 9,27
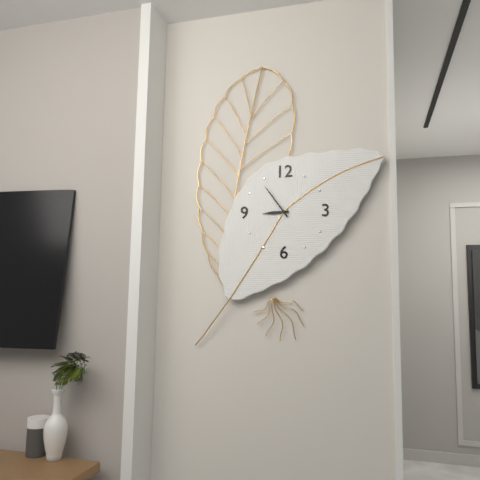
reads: 8,54
